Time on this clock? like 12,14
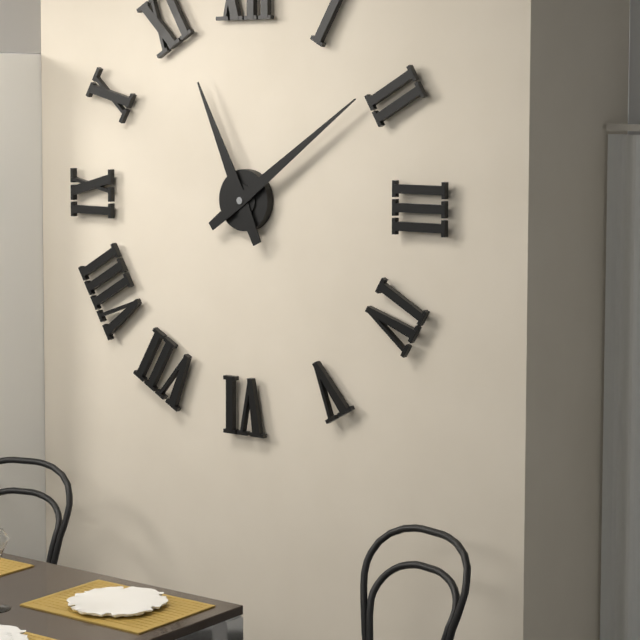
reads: 11,09
